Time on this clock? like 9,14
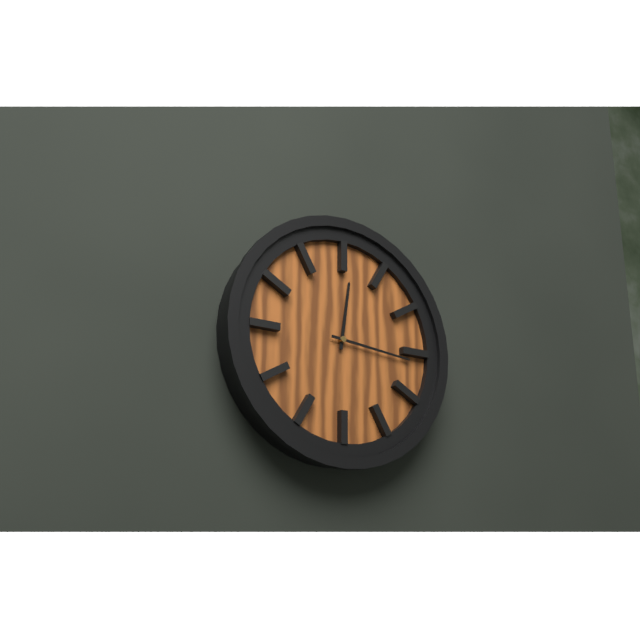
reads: 12,16
